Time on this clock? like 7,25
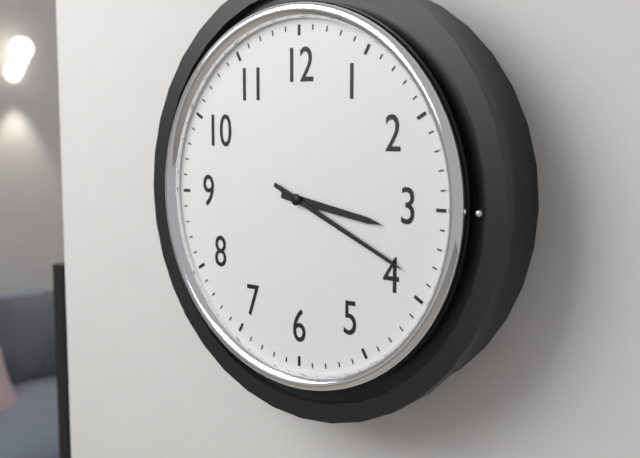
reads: 3,19
